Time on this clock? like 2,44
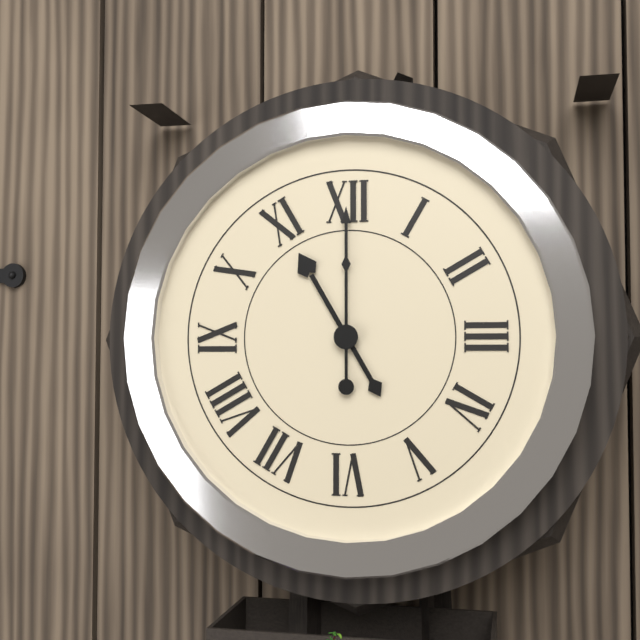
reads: 11,00
